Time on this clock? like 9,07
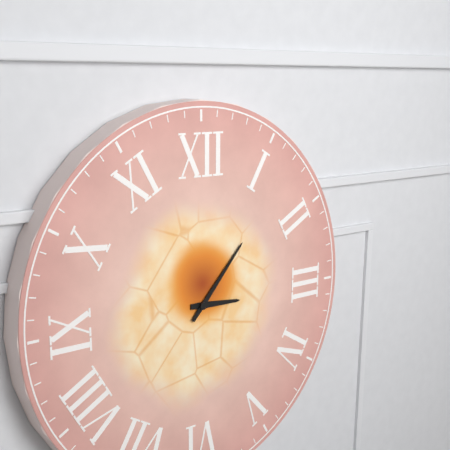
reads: 3,07
